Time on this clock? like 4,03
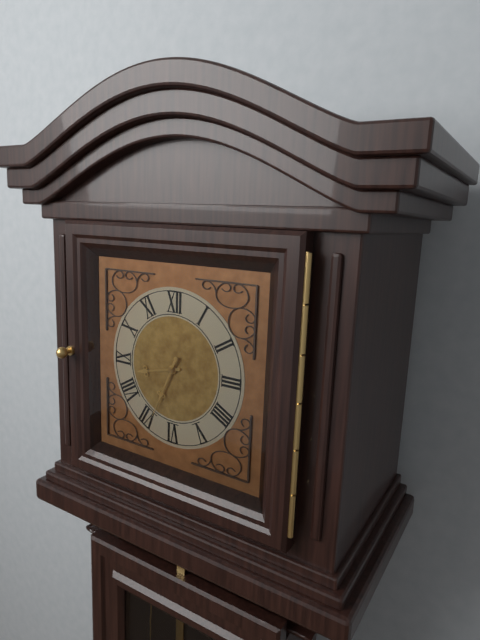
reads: 8,34
